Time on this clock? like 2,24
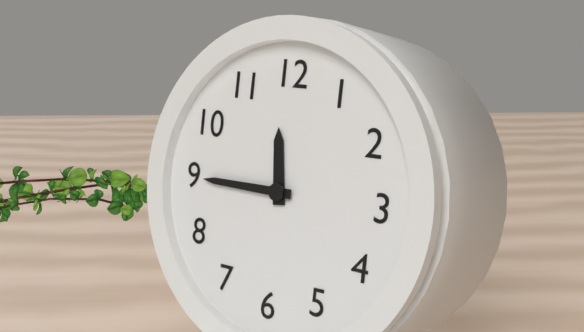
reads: 11,45
